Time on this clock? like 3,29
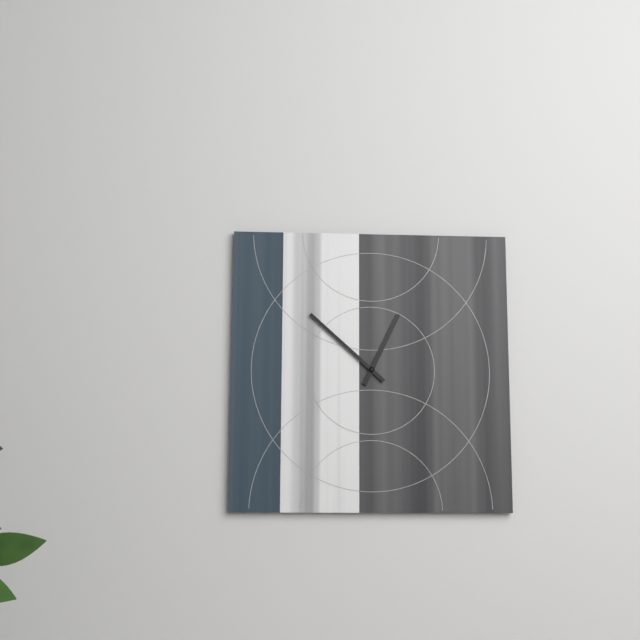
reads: 12,52
